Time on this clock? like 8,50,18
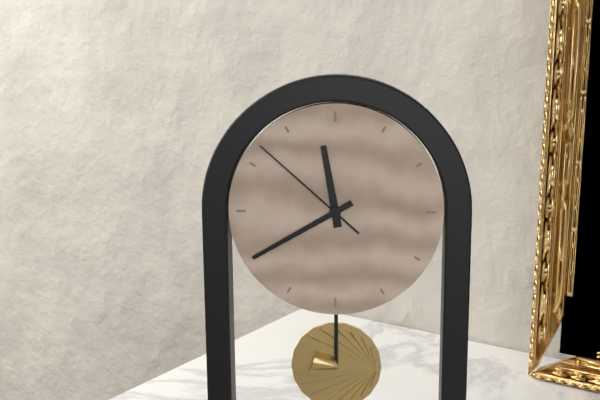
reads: 11,40,52
